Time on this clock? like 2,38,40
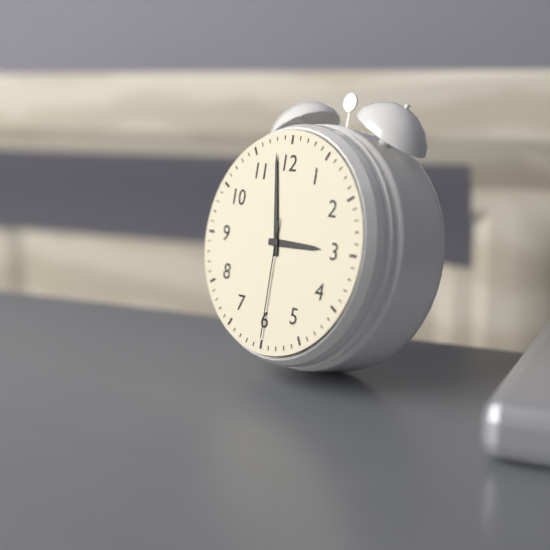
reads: 2,58,30
